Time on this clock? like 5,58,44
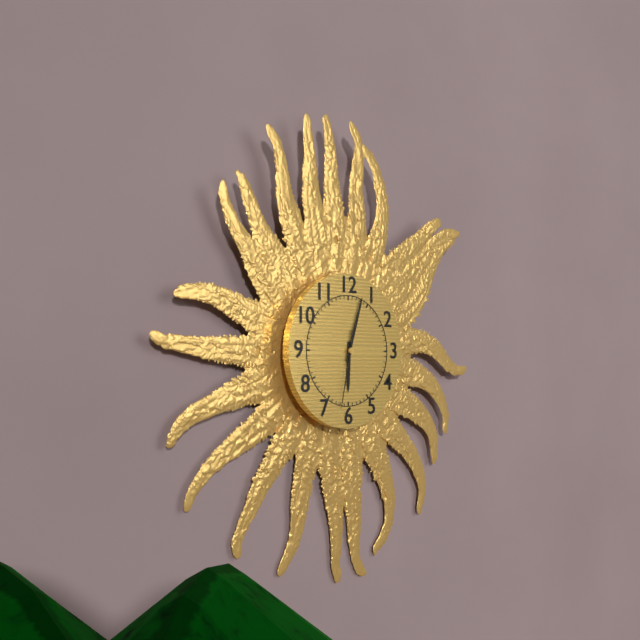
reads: 6,03,32
